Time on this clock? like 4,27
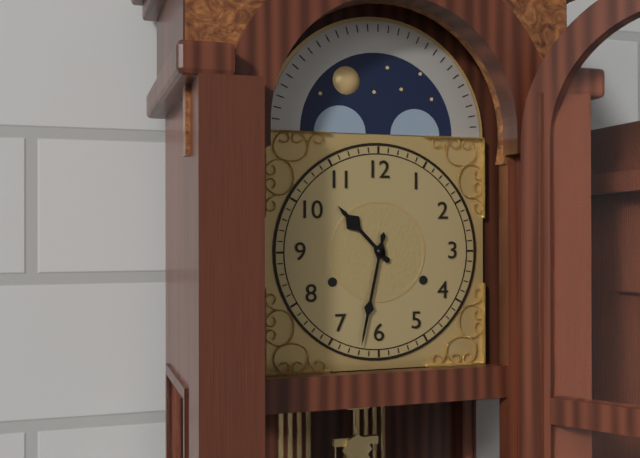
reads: 10,32
